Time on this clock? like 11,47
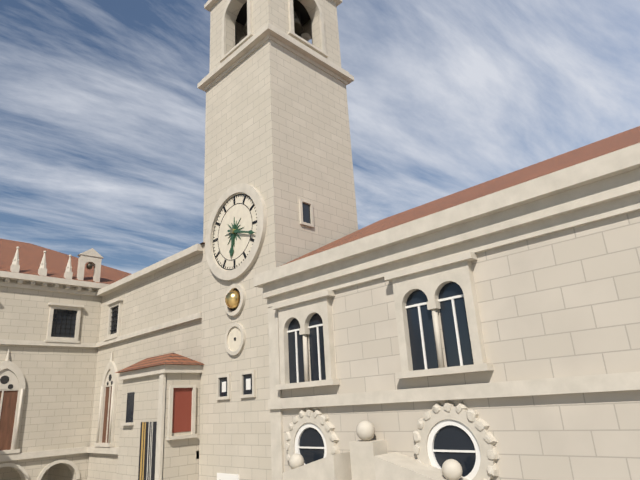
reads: 6,18
